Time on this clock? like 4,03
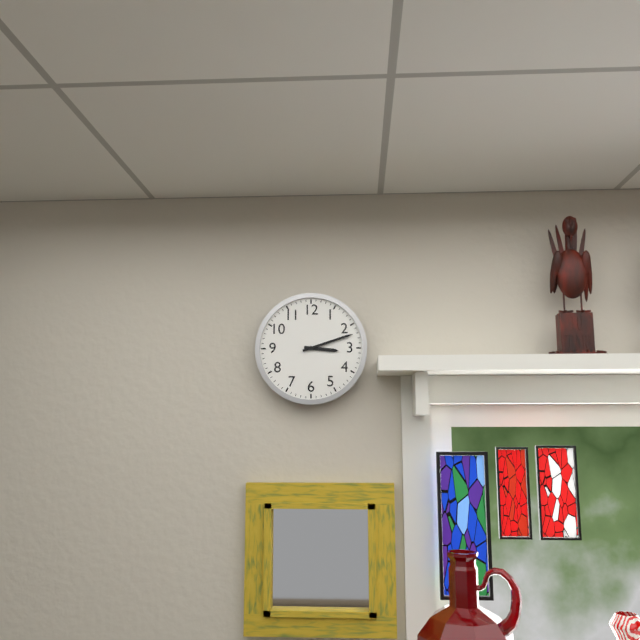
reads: 3,12
